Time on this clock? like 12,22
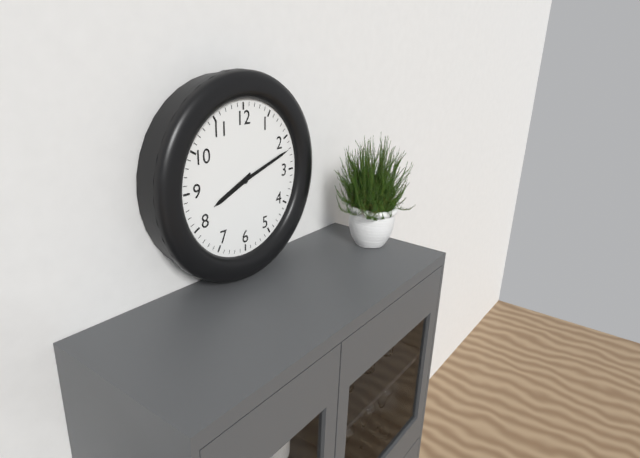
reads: 8,12
